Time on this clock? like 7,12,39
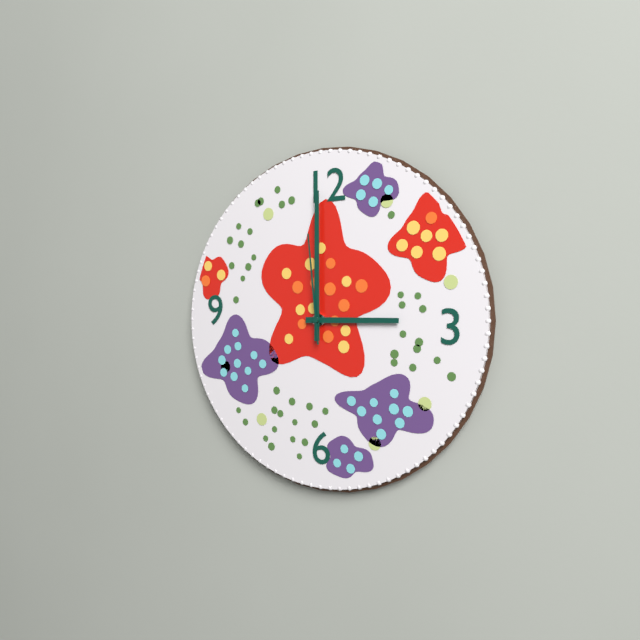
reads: 3,00,59
